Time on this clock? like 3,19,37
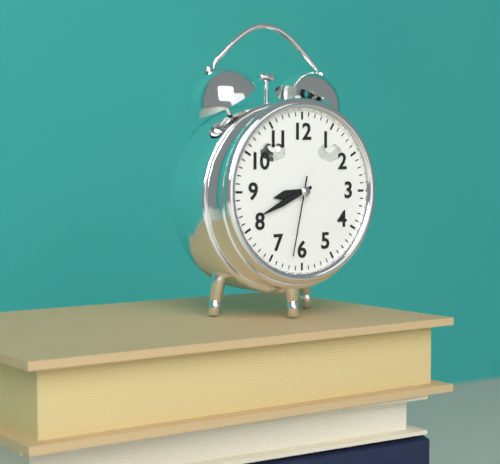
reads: 8,41,32
